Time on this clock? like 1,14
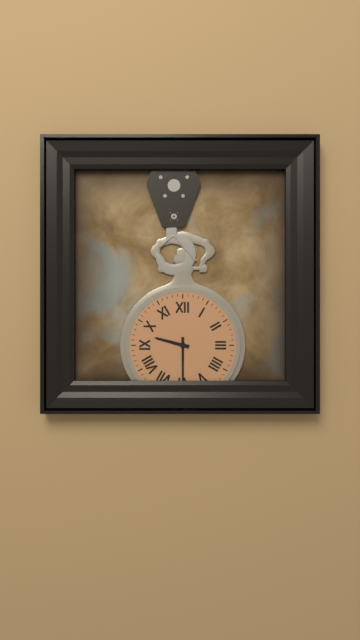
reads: 9,30
